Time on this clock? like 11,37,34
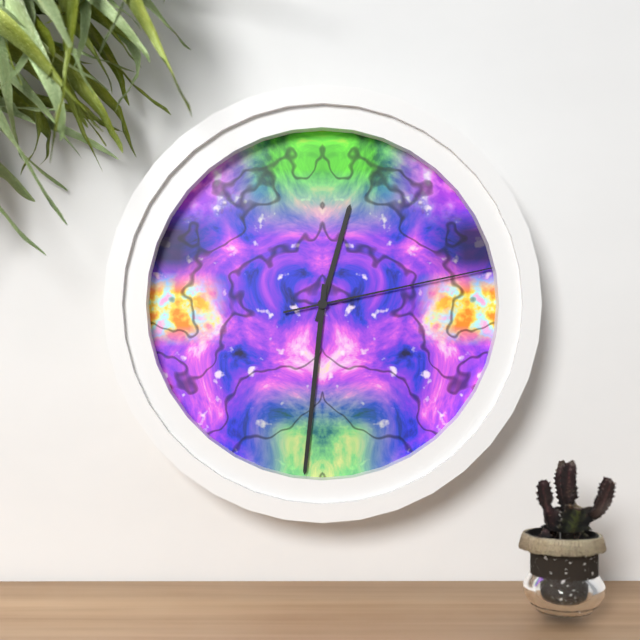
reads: 12,31,13
